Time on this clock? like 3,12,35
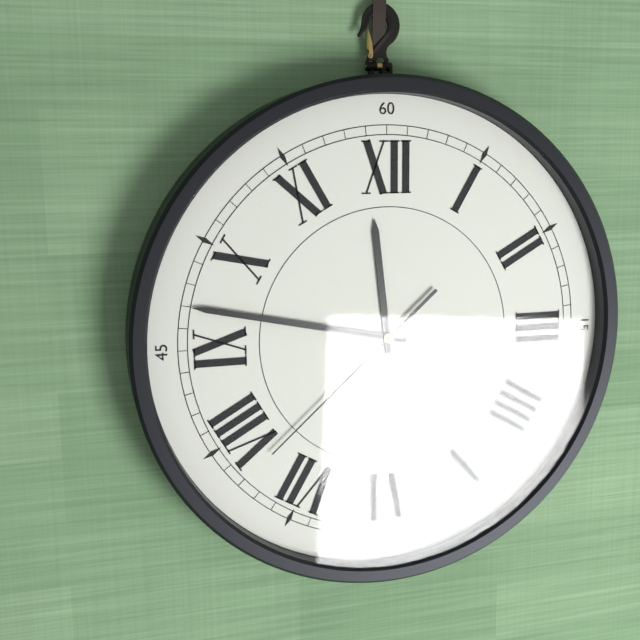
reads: 11,47,38
